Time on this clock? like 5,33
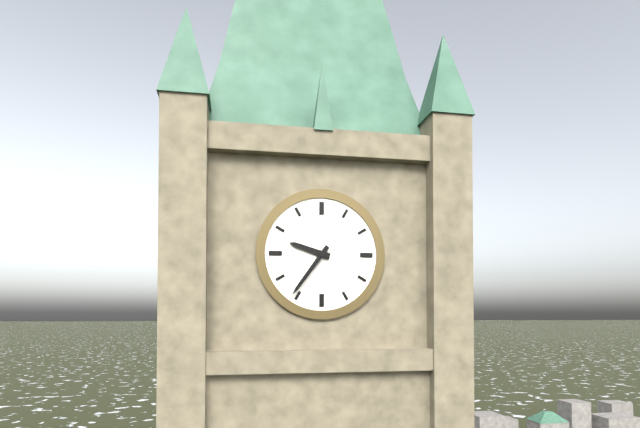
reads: 9,36
